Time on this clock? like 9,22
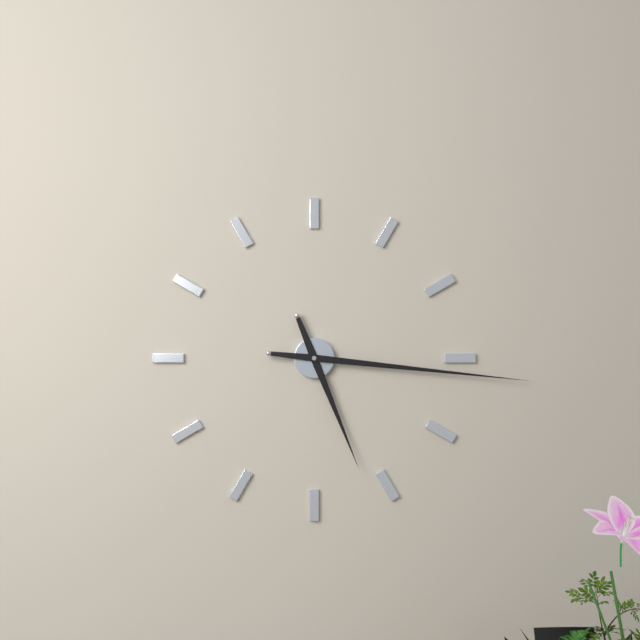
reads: 5,16
